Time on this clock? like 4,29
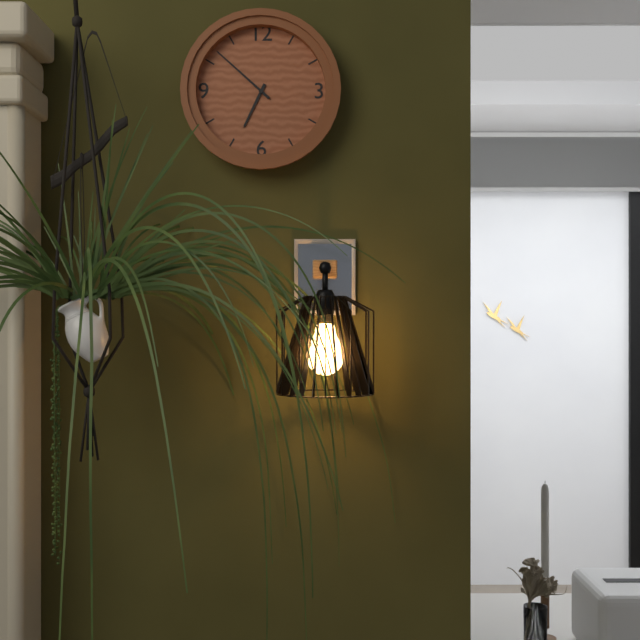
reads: 6,52
